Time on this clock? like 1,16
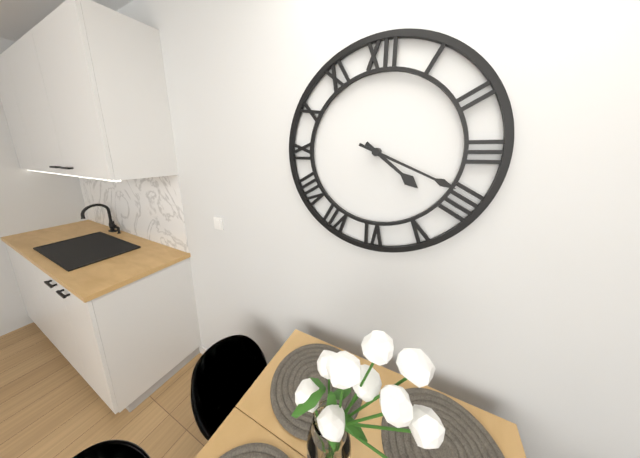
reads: 4,19
